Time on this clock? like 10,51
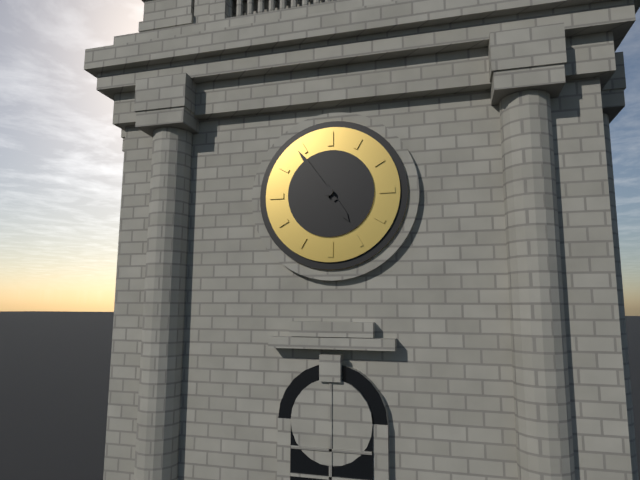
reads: 4,54
